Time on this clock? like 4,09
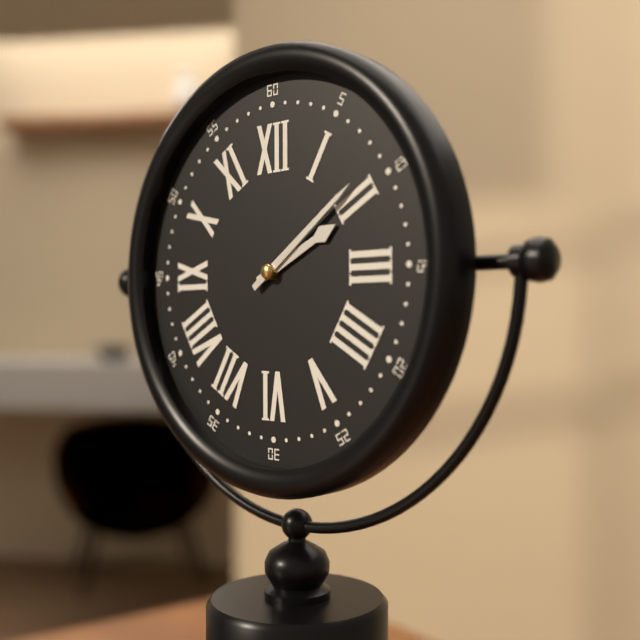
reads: 2,09
